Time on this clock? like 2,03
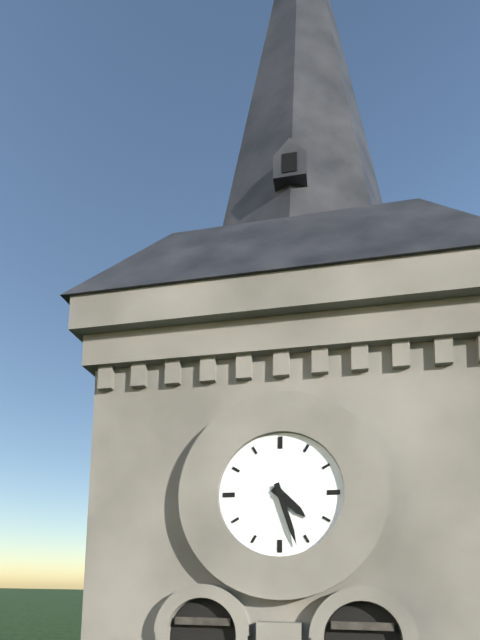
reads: 4,27
